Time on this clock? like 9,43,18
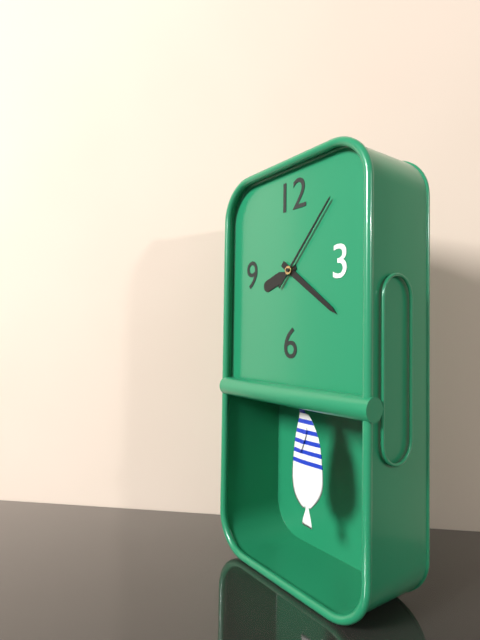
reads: 8,21,07
